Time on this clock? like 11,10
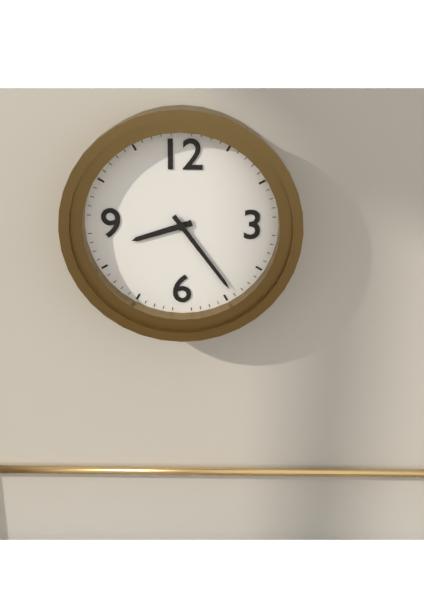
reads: 8,24
